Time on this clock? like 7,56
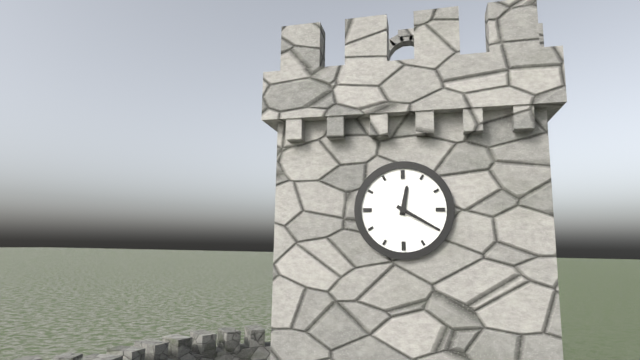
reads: 12,20
